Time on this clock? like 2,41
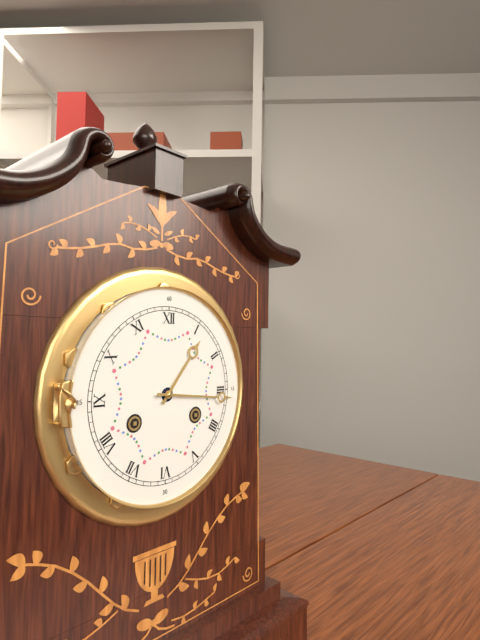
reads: 1,16
